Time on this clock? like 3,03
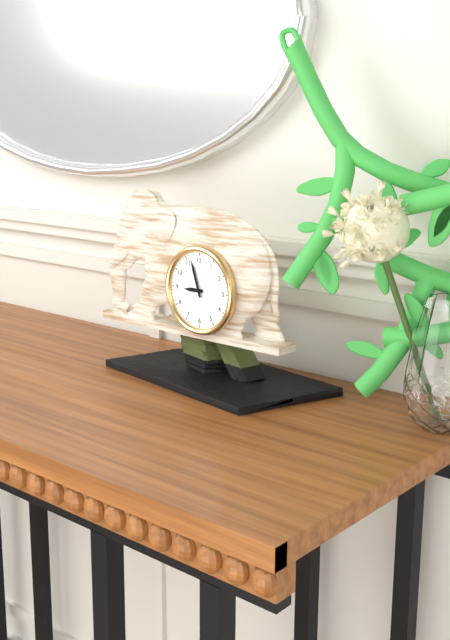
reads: 8,57
